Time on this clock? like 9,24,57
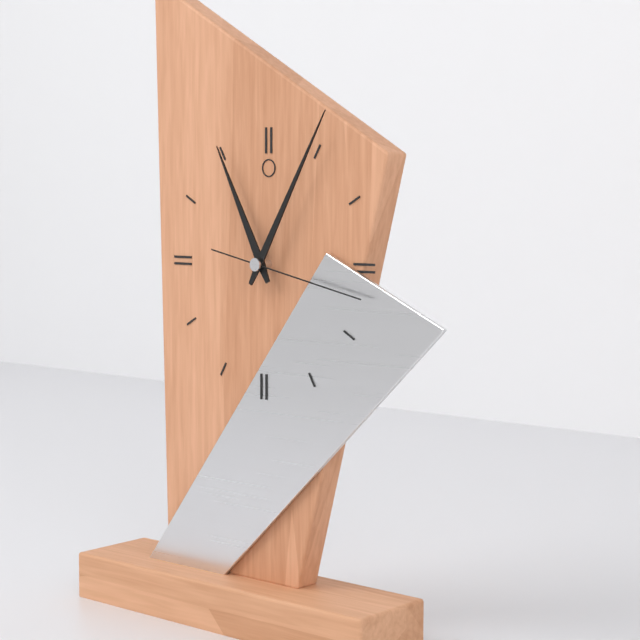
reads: 11,05,17
